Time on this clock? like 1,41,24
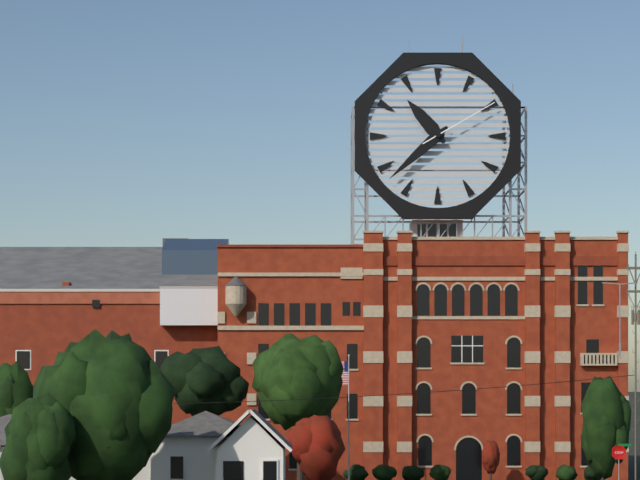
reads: 10,38,10
